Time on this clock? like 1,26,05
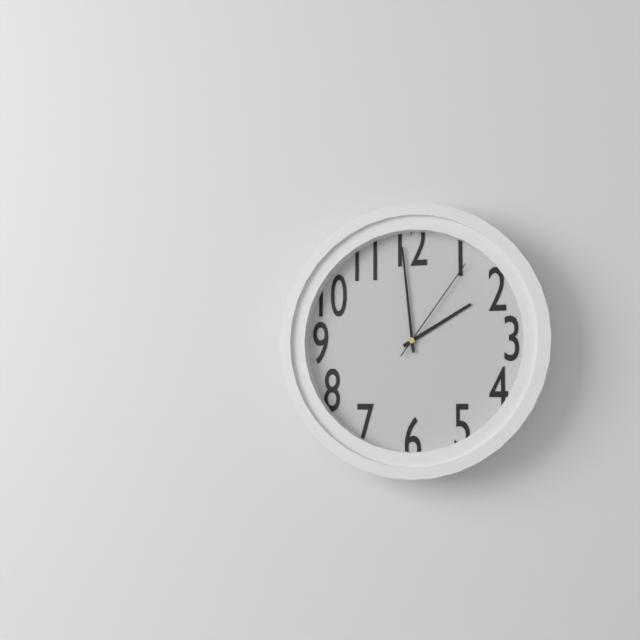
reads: 1,59,06
